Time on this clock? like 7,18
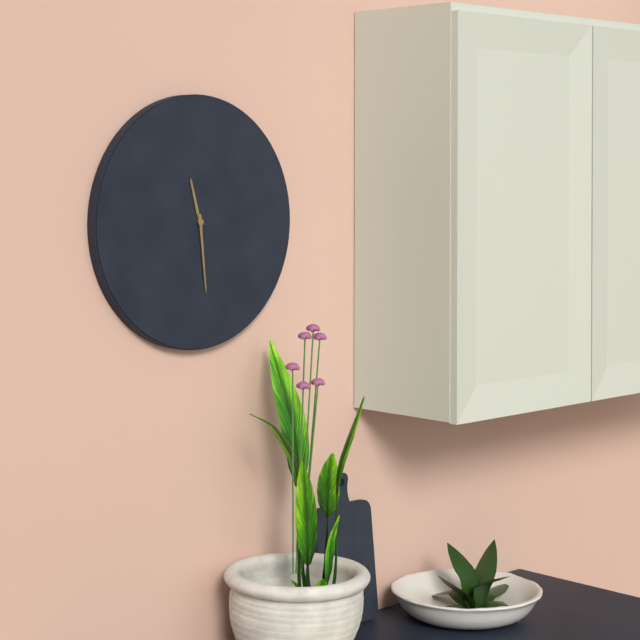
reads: 11,29
